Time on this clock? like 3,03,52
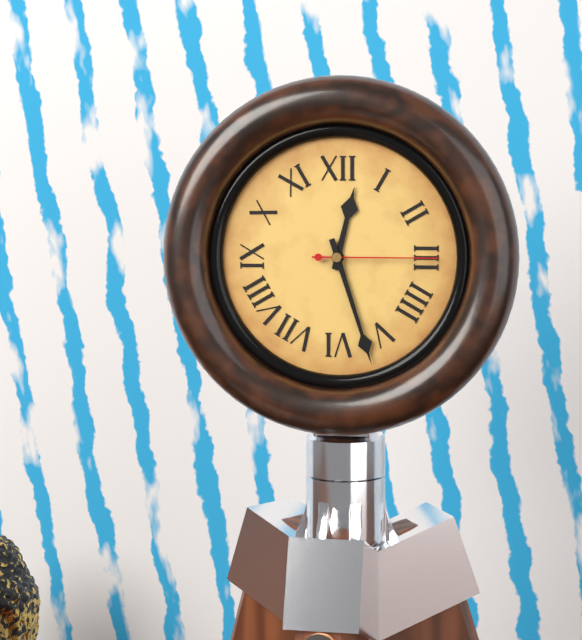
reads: 12,27,15
